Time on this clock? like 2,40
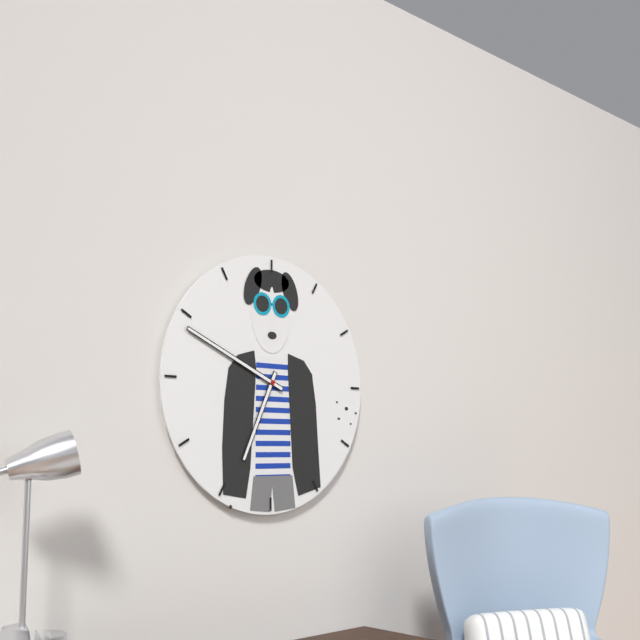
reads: 6,49
